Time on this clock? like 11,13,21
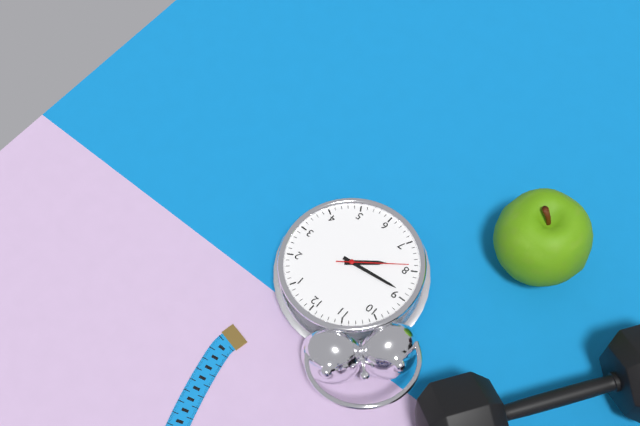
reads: 7,44,39
